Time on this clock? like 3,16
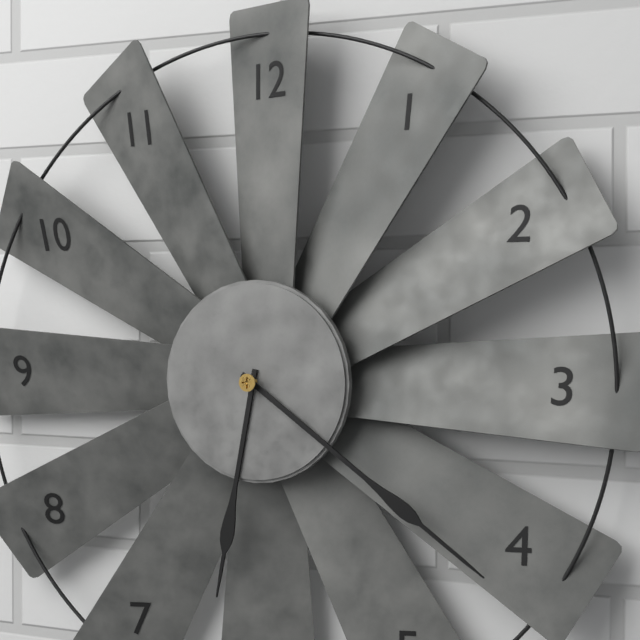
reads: 6,21
